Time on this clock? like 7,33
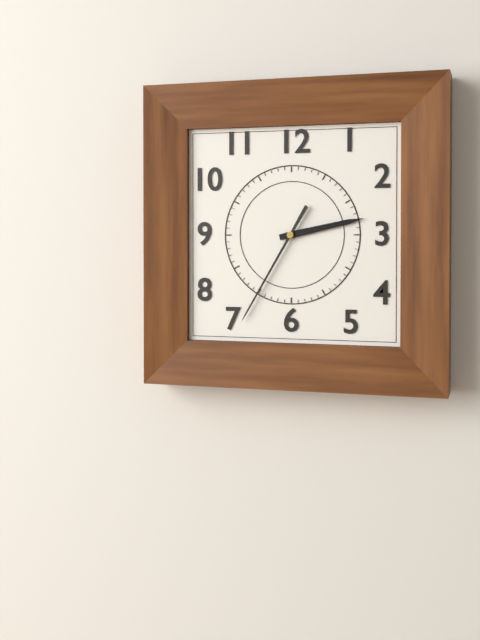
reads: 2,35
